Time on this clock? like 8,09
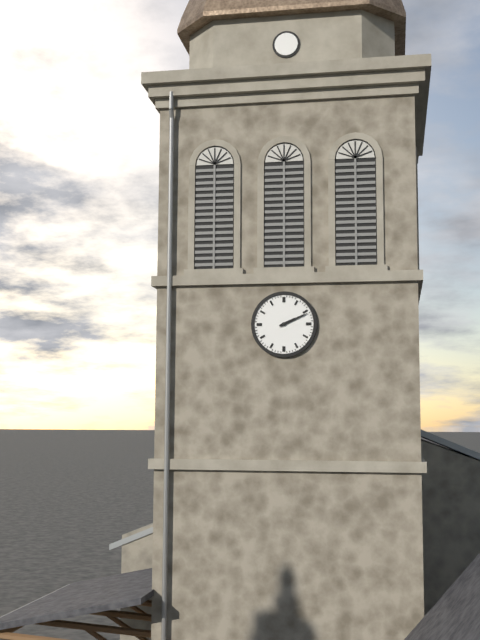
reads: 2,11
